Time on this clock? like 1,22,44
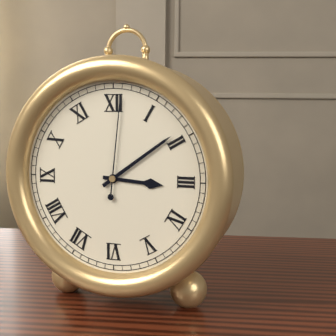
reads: 3,09,01
